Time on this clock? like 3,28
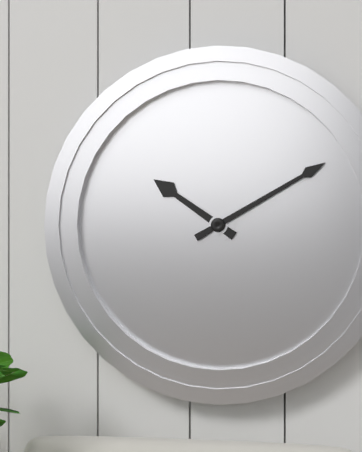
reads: 10,10
